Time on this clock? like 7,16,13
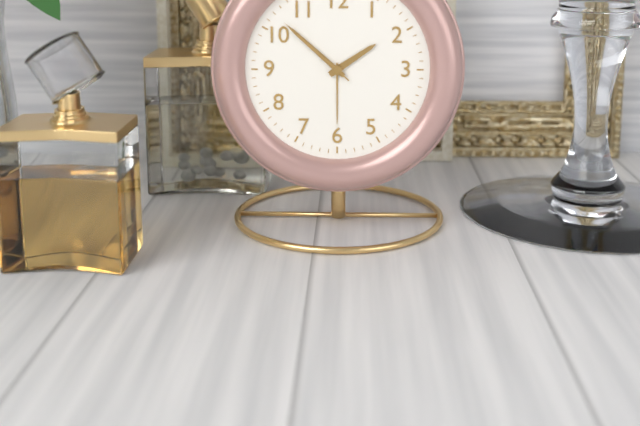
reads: 1,52,52
